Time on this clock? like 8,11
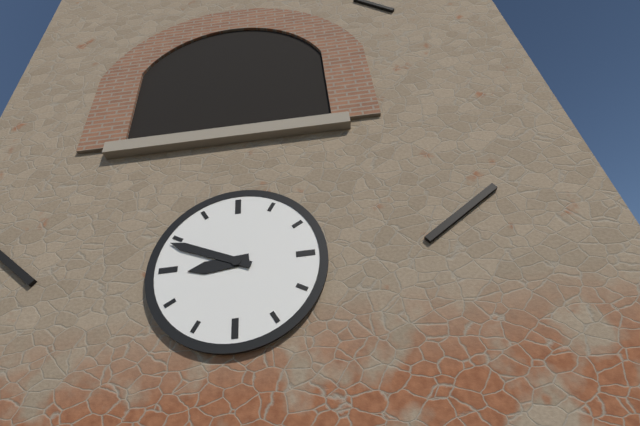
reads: 8,49
